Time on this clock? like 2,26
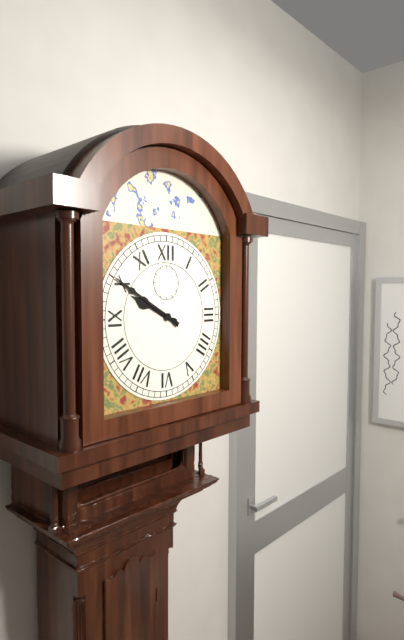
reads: 9,50
